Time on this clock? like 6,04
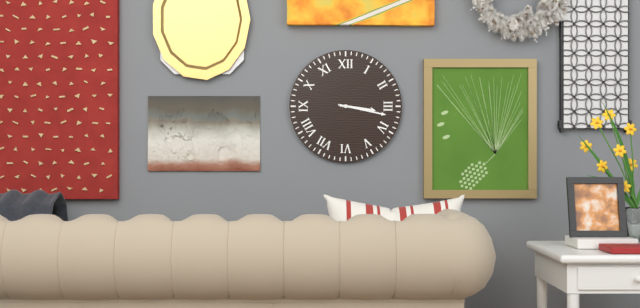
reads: 3,17
